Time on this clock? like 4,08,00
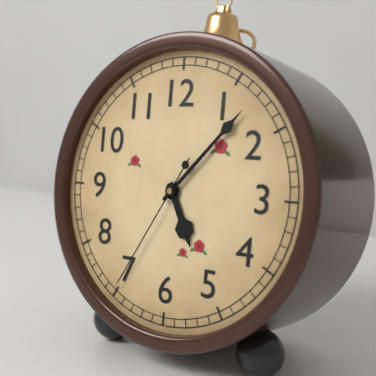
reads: 5,07,35
